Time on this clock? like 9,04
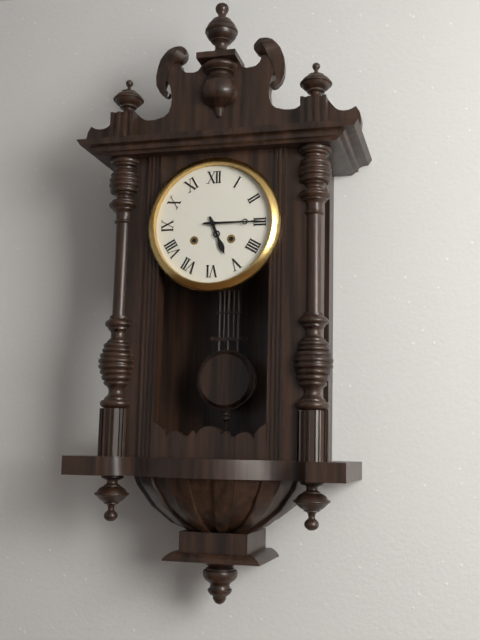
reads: 5,15
